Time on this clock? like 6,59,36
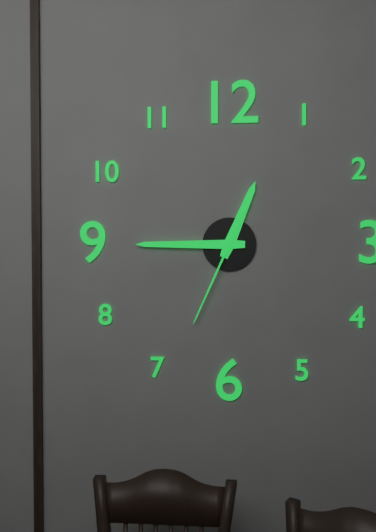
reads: 12,45,34
